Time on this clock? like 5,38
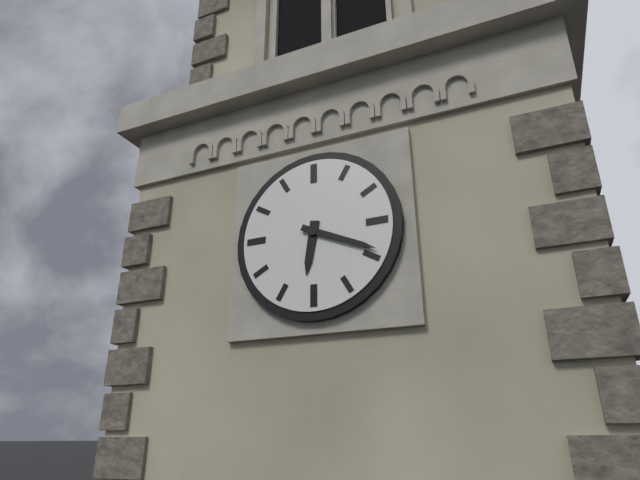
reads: 6,19
